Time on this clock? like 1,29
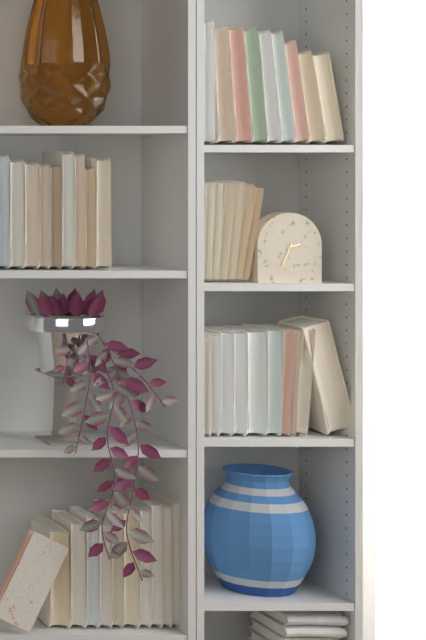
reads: 2,34
